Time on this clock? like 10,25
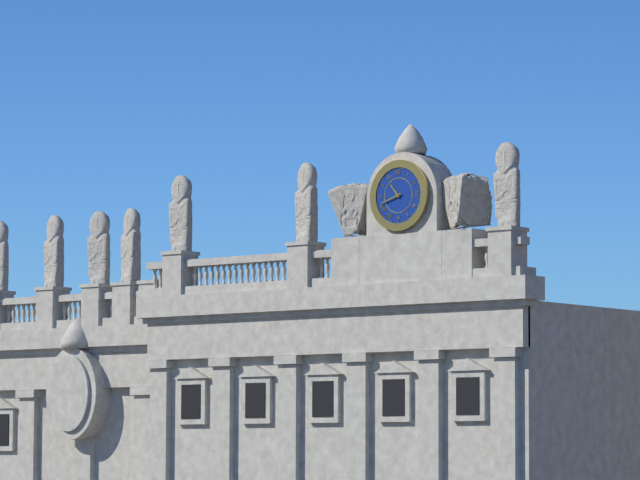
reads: 10,42
